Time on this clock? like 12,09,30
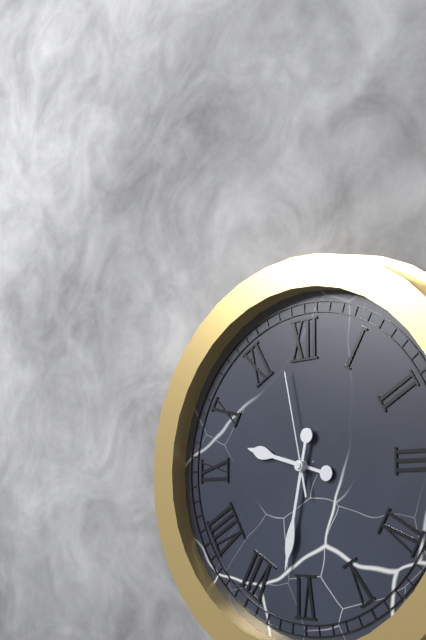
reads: 9,32,58
